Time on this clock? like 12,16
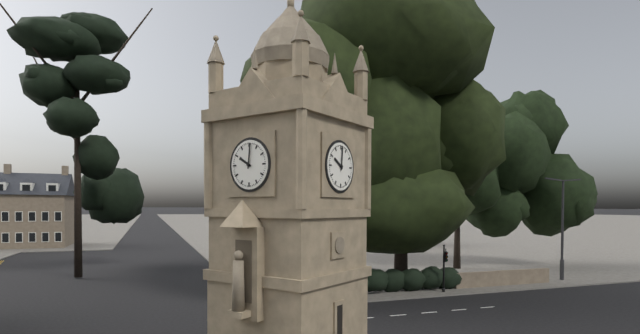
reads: 10,01
